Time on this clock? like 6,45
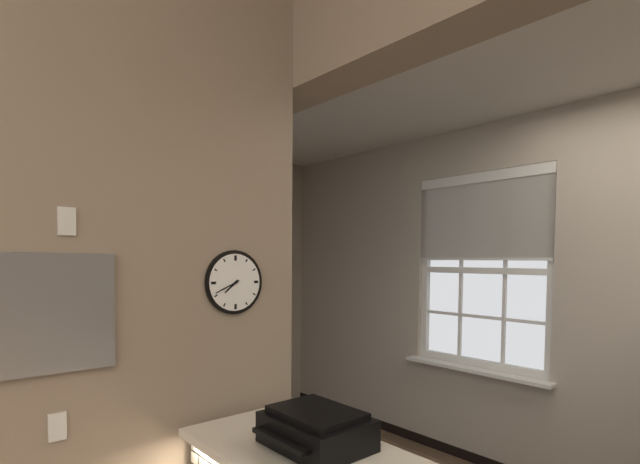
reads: 7,41
